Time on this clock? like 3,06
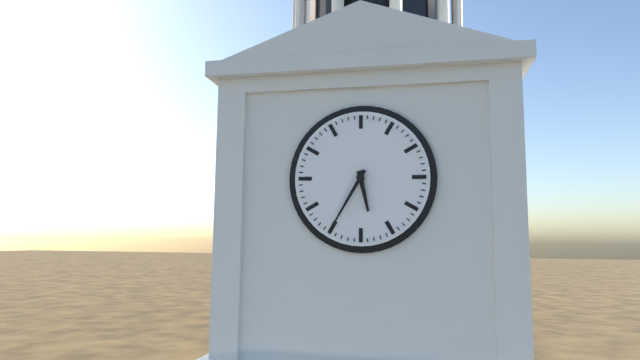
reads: 5,35
